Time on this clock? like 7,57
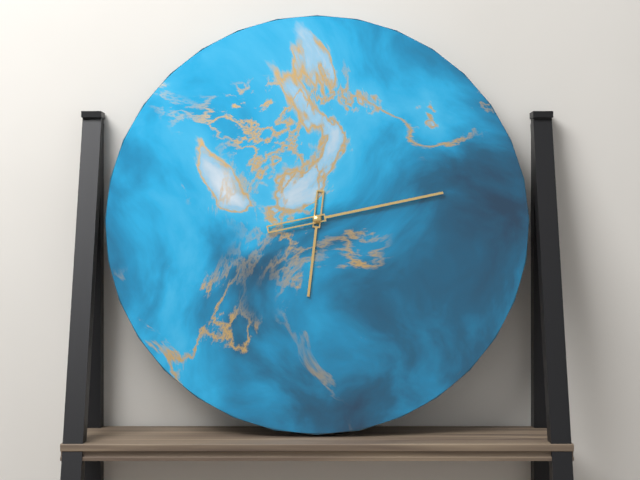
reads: 6,13
